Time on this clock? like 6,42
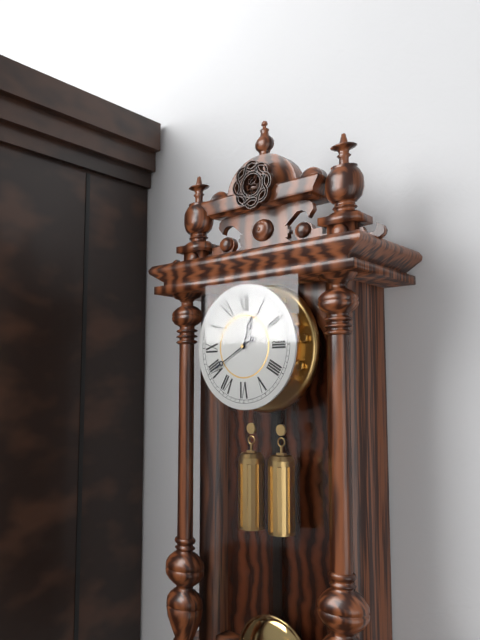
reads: 12,40
